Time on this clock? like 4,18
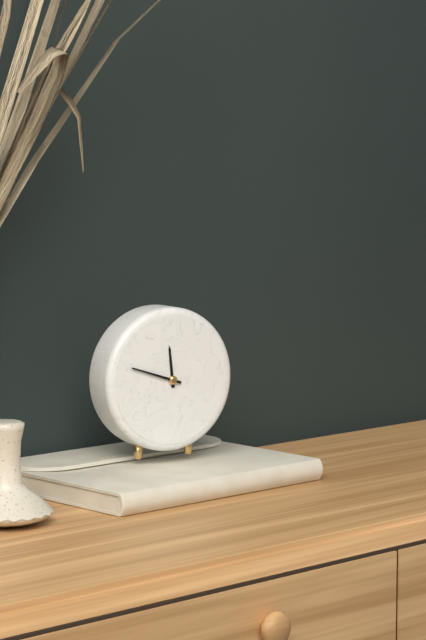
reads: 11,48
